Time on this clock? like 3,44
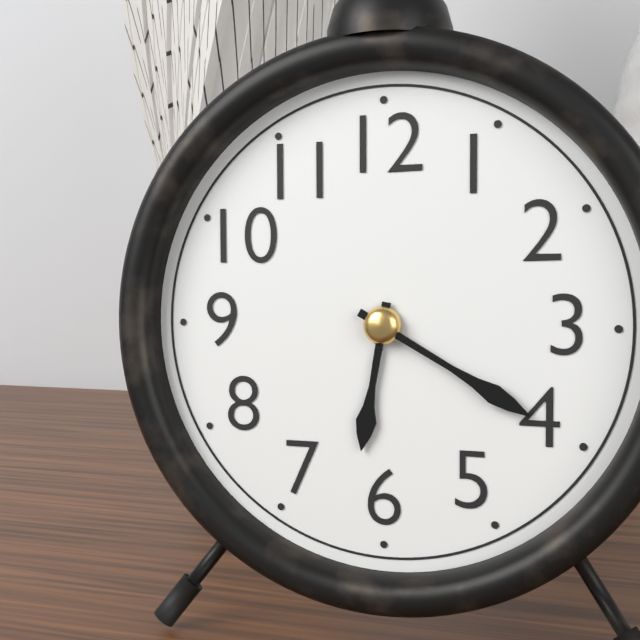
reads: 6,20
